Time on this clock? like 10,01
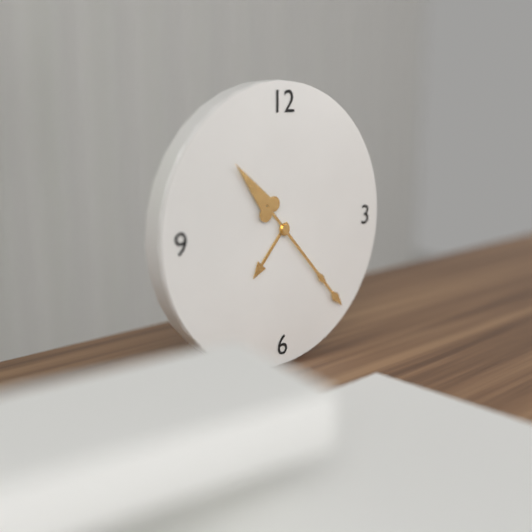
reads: 7,23
